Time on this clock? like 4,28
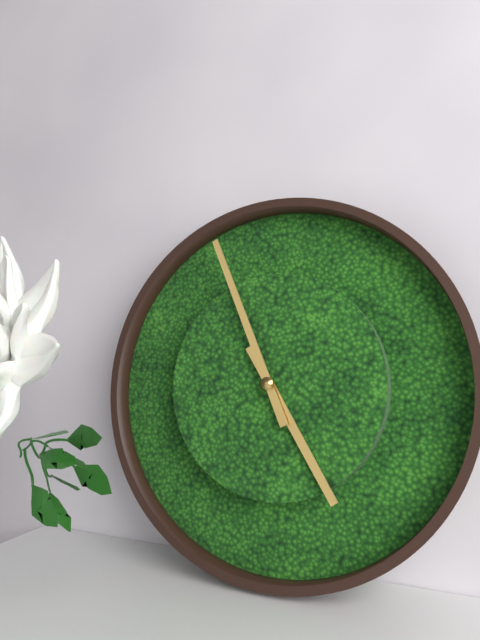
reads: 4,56
